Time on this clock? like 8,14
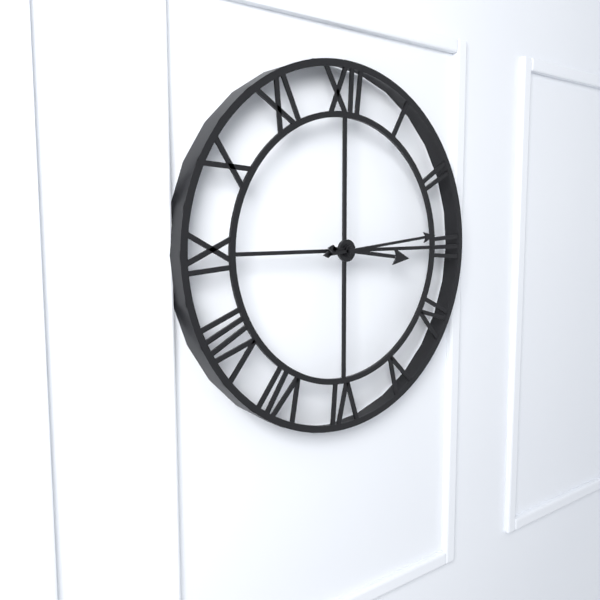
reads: 3,14
